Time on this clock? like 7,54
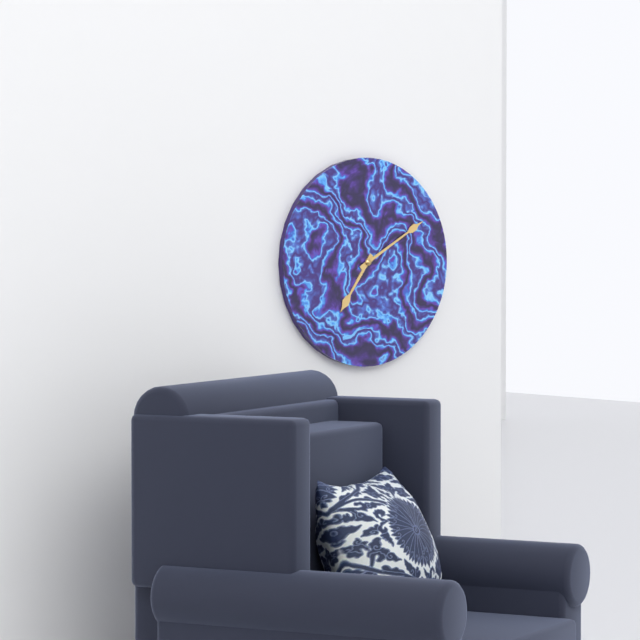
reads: 7,10
